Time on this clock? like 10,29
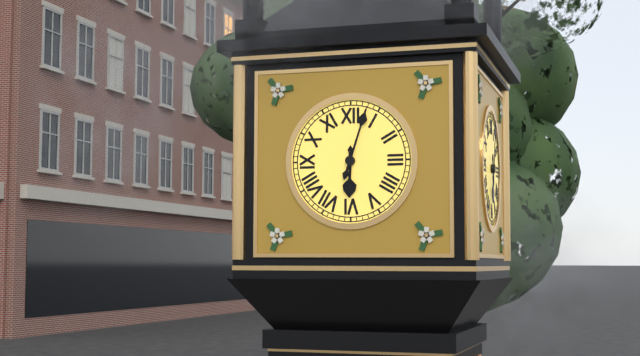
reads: 6,03
